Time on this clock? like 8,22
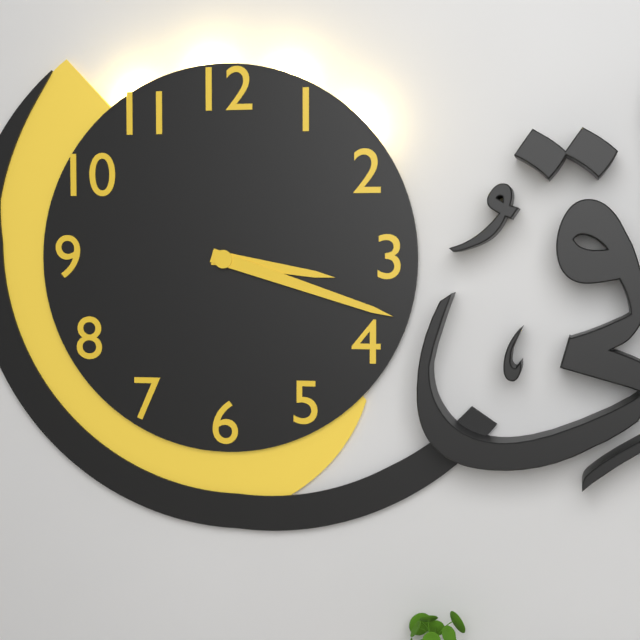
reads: 3,18
